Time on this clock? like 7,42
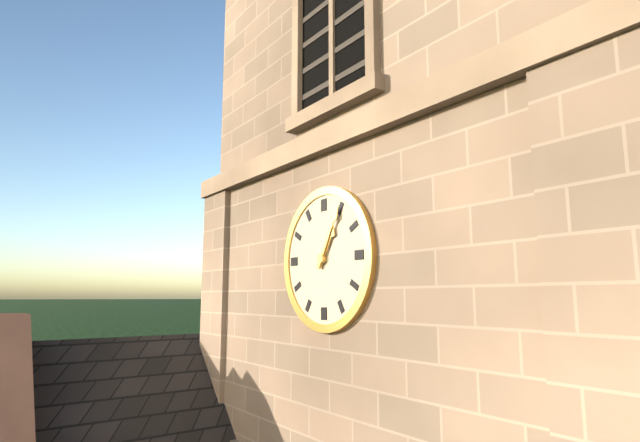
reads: 1,05
